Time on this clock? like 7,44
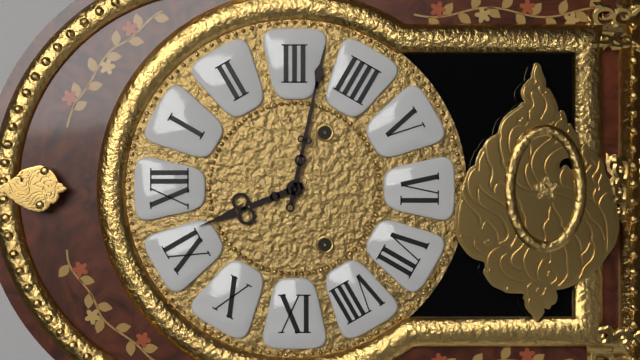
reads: 11,17
